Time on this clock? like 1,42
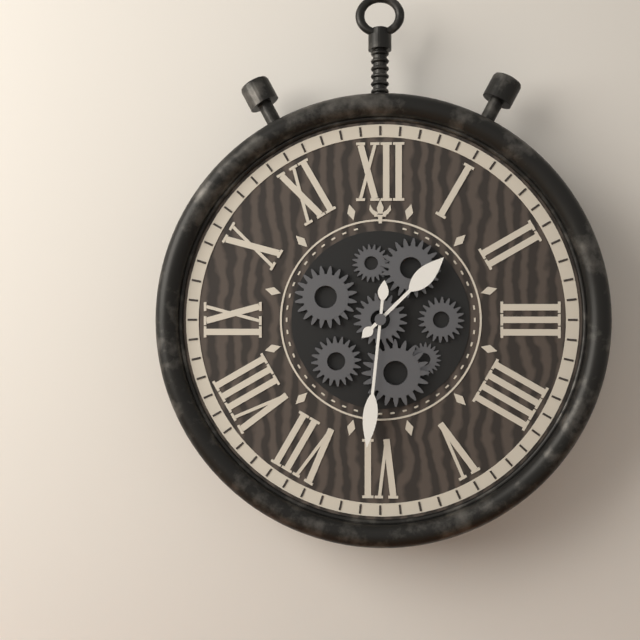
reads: 1,31
